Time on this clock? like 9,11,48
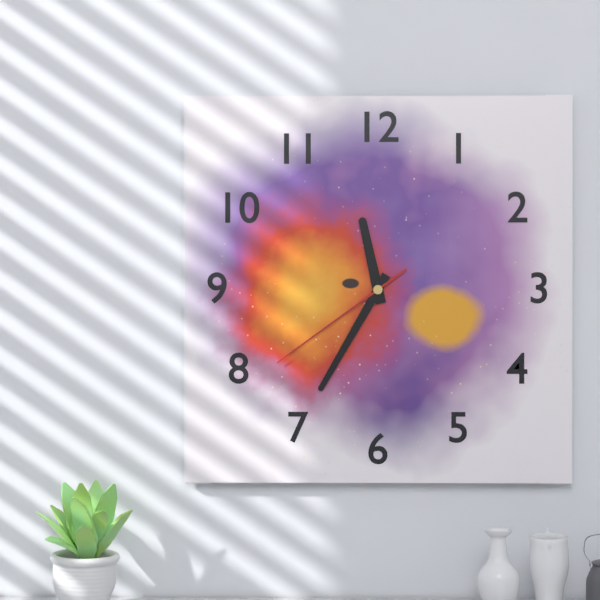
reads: 11,35,39
